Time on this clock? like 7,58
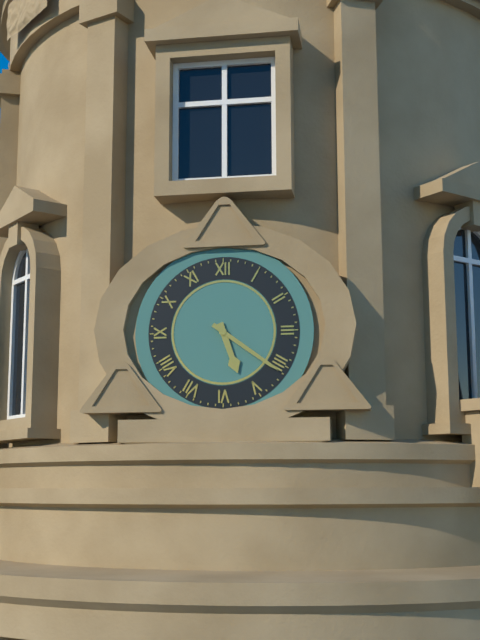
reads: 5,21
